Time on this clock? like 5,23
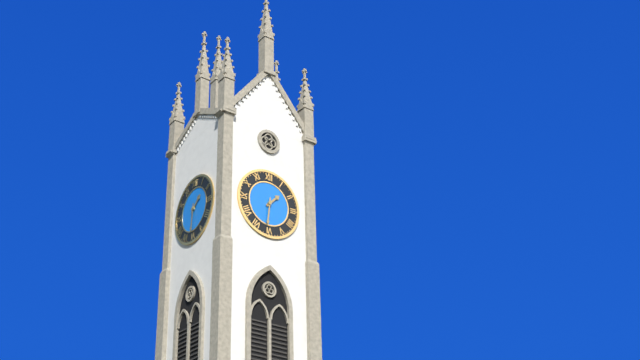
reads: 1,31
